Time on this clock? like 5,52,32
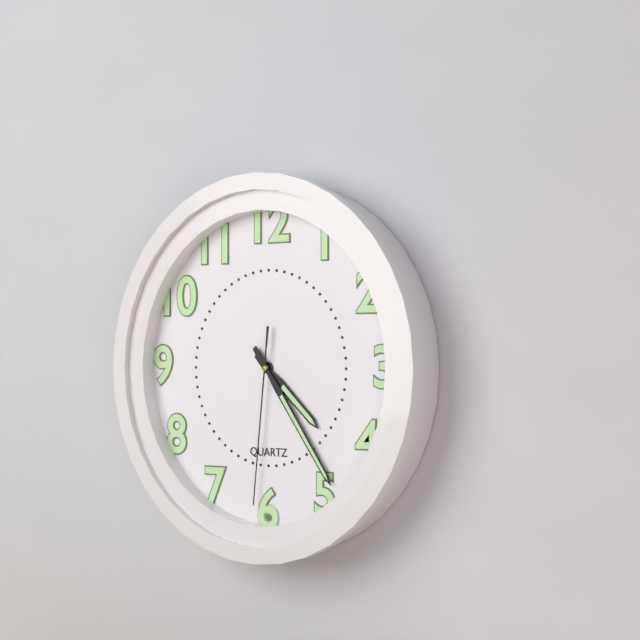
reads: 4,24,31
